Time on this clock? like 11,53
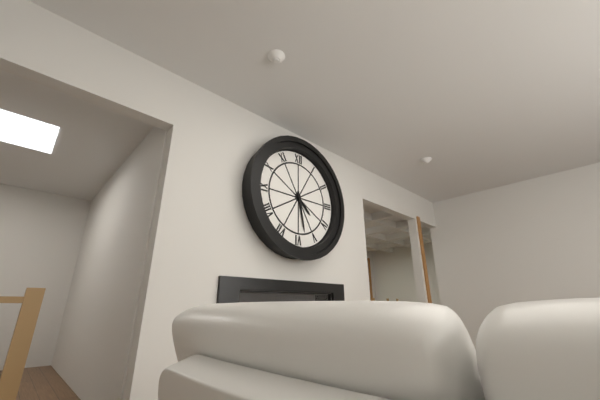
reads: 4,28
